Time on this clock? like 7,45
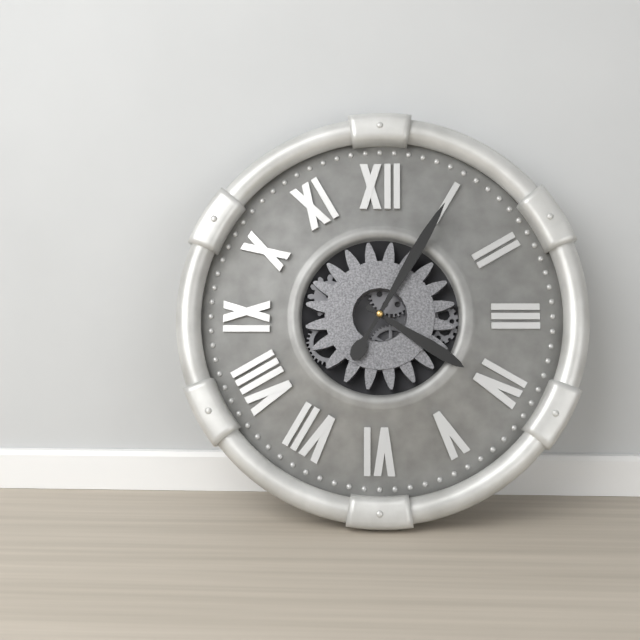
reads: 4,05
